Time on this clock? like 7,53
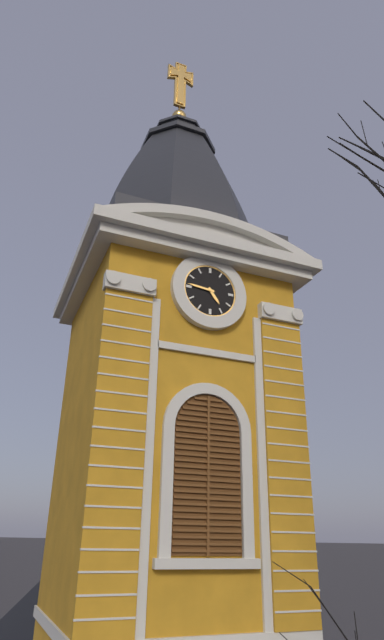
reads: 4,46
